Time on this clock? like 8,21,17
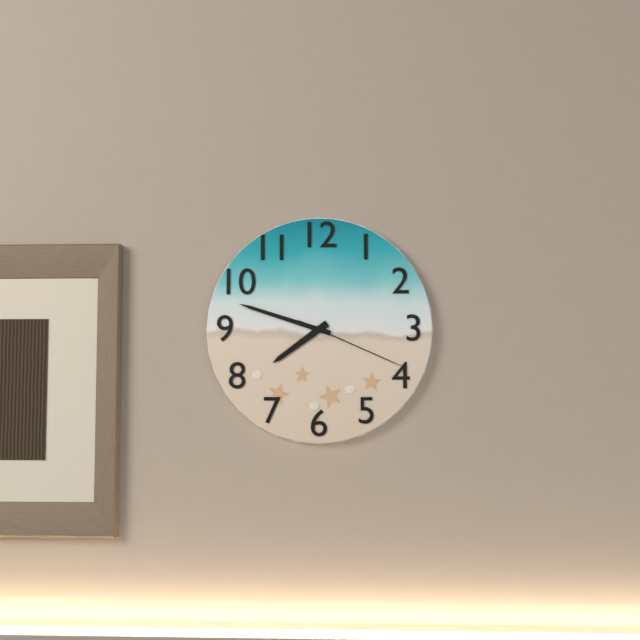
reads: 7,48,19
